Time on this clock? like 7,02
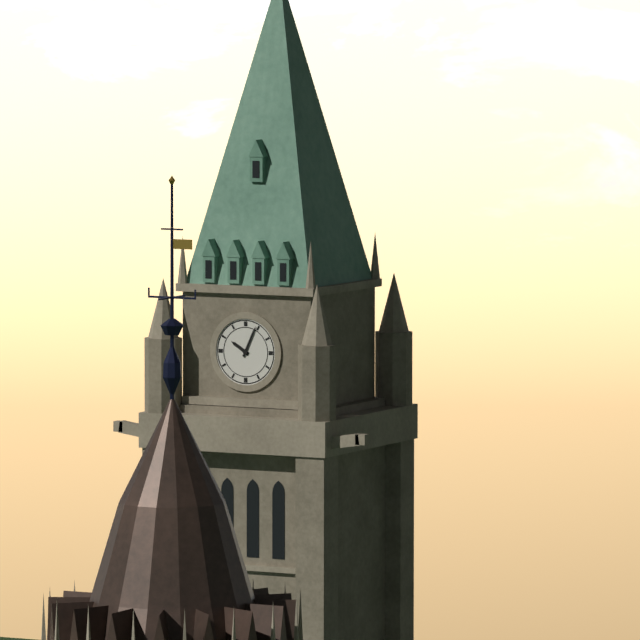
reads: 10,04
